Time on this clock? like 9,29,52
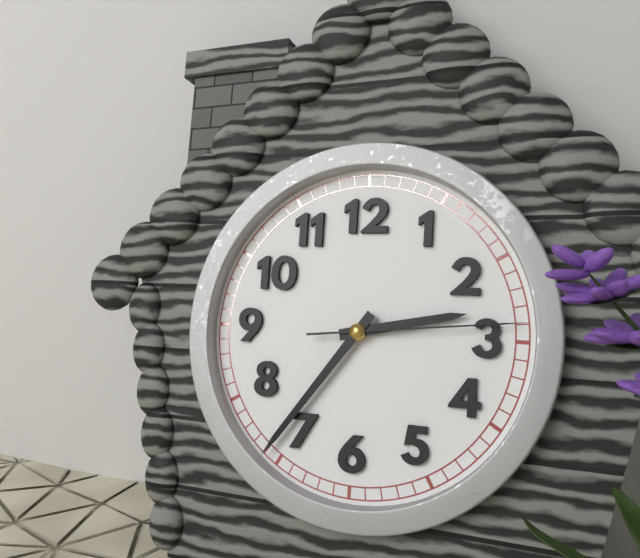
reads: 2,36,14
